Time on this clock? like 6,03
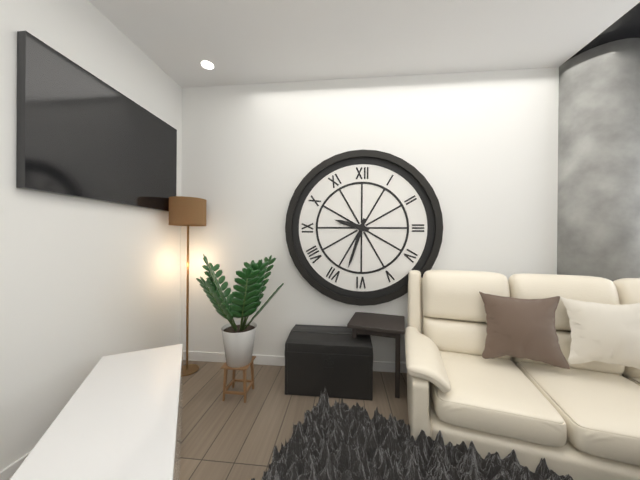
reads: 9,33
